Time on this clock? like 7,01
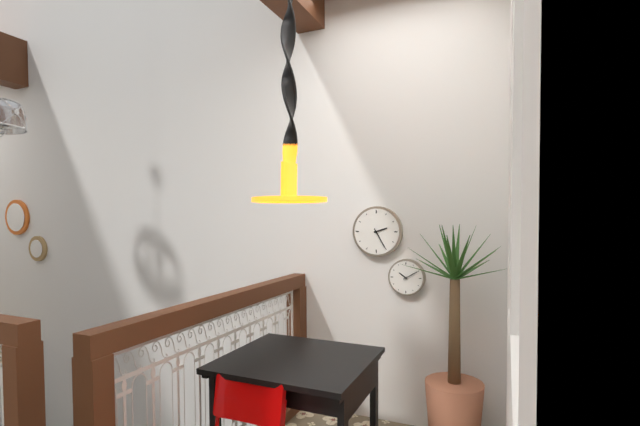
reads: 2,25
